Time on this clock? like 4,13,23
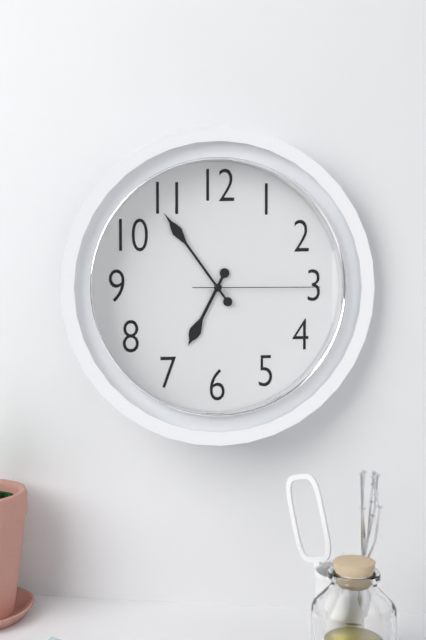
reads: 6,54,15
